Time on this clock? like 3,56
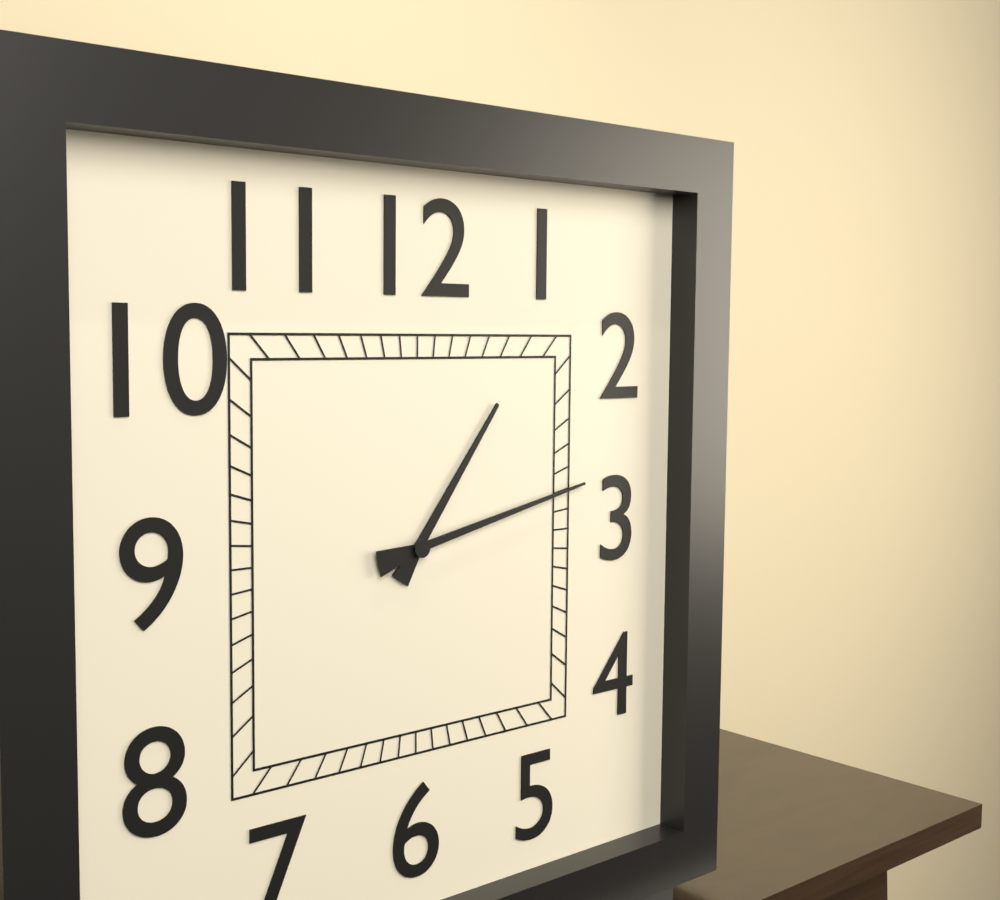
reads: 1,13
